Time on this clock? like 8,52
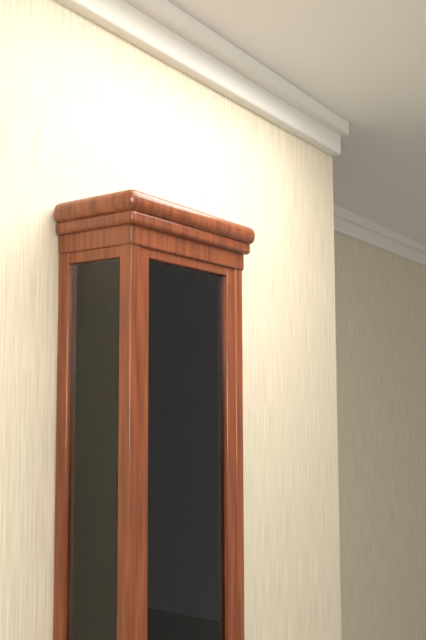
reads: 10,38
